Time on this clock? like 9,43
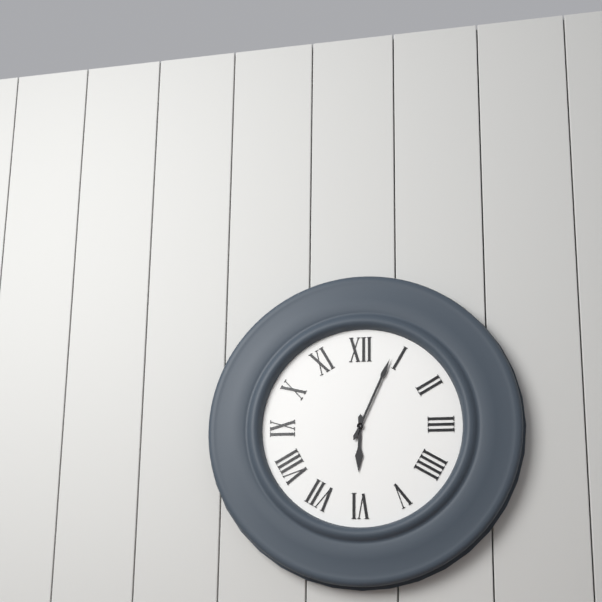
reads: 6,04
